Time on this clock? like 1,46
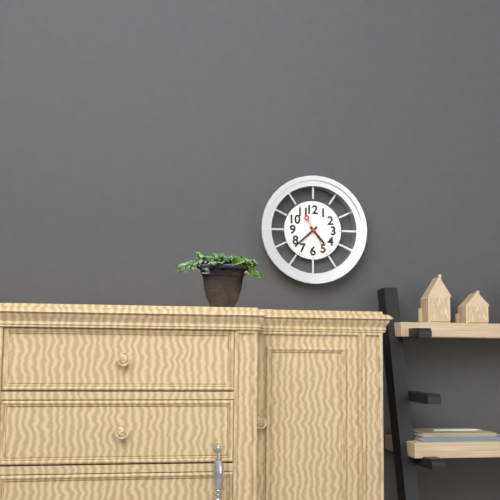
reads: 4,38
